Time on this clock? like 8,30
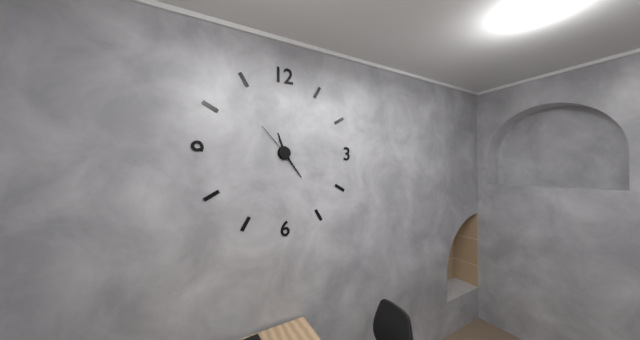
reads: 11,24
